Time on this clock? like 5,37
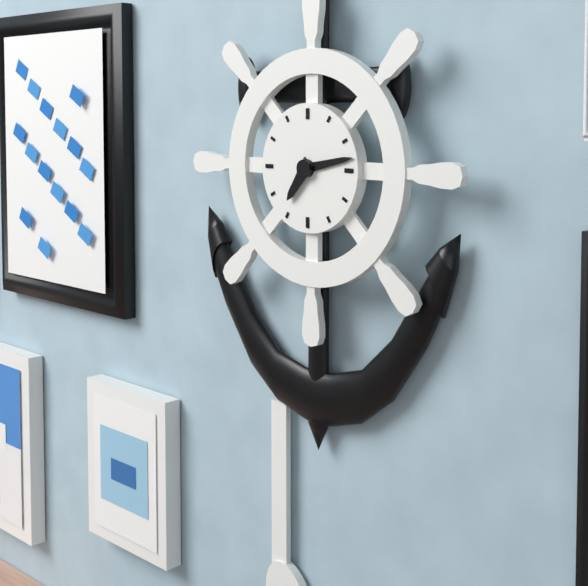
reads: 7,13
